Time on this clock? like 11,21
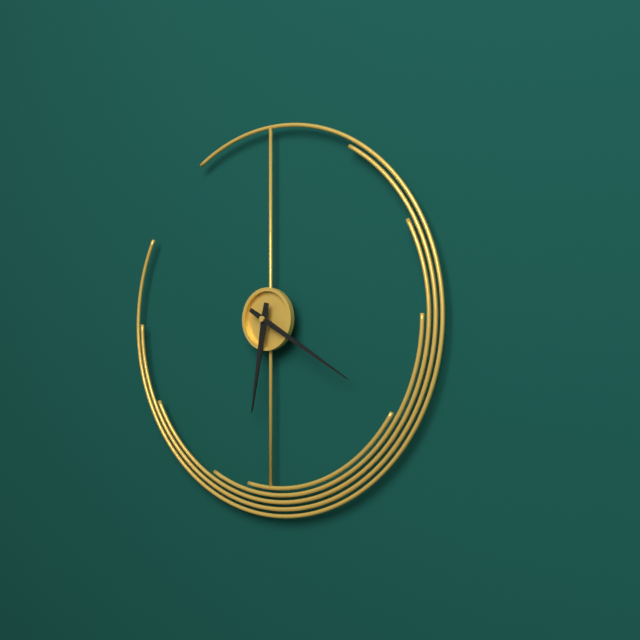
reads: 6,20
